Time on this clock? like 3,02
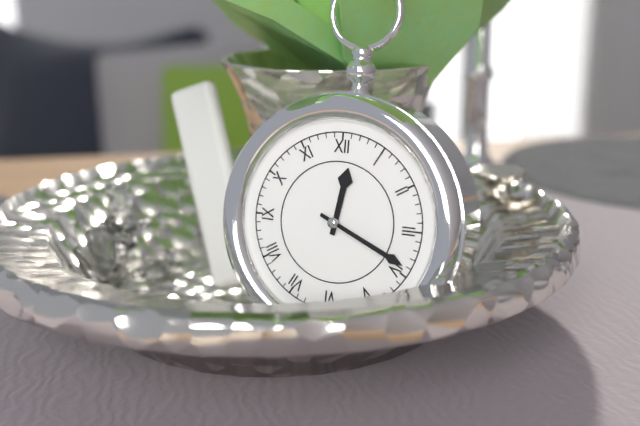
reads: 12,19
